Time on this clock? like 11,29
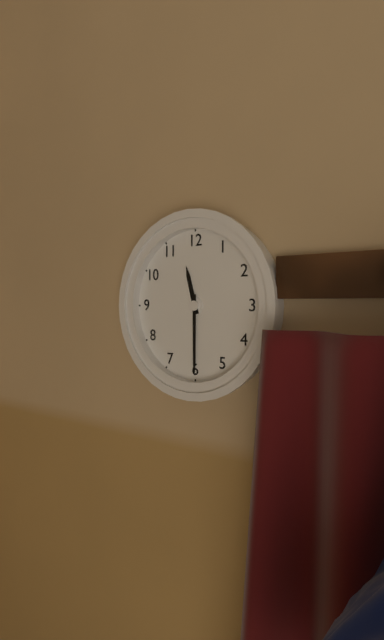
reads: 11,30
